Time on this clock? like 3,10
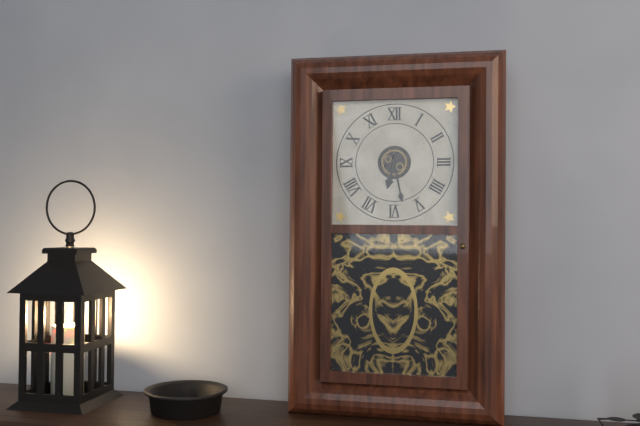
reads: 6,28
